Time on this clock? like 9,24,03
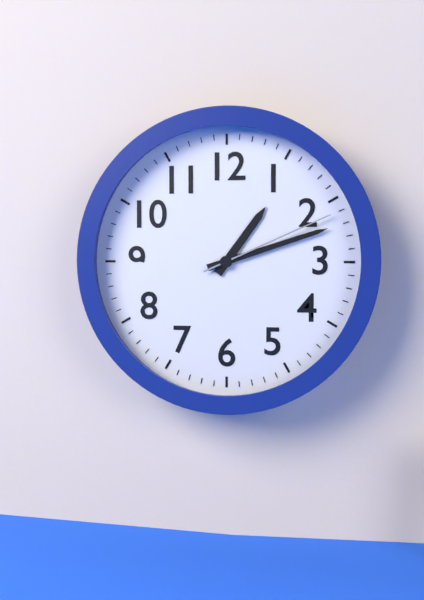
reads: 1,12,11
